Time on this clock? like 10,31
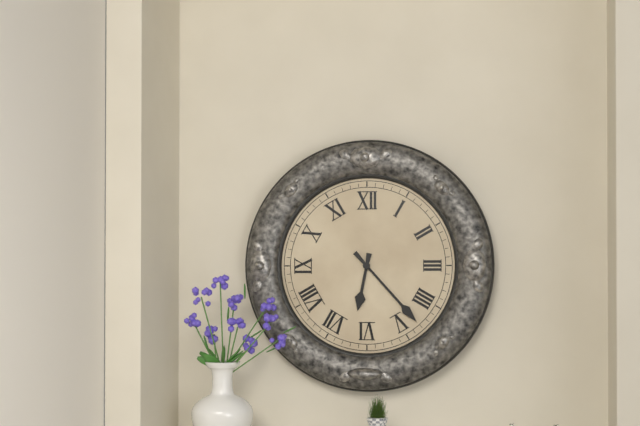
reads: 6,23
